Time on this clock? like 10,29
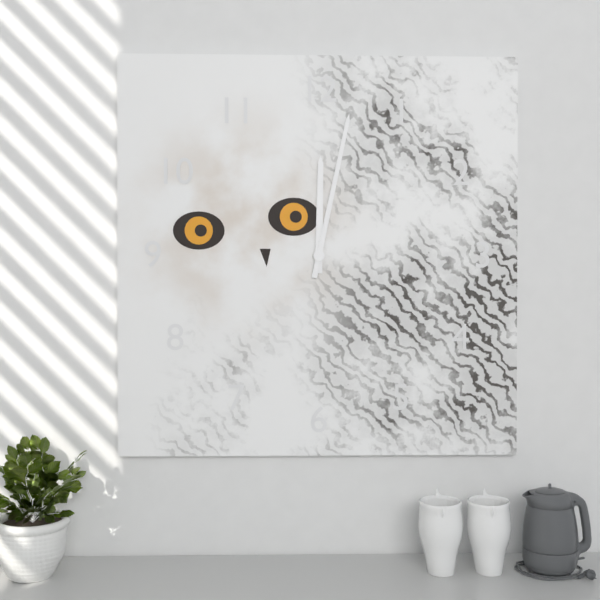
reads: 12,02
